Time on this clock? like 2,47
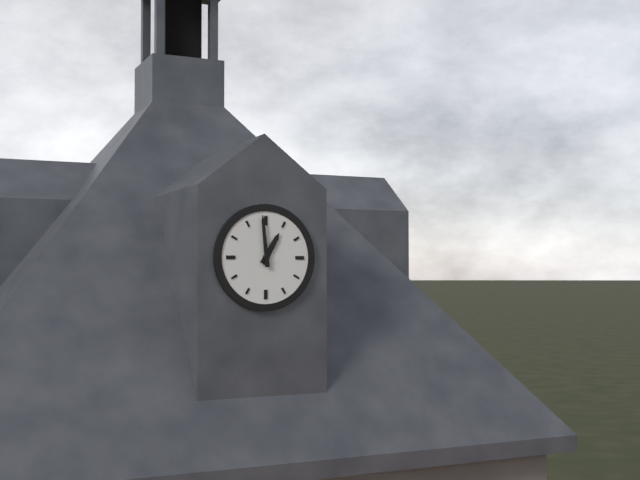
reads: 12,59
